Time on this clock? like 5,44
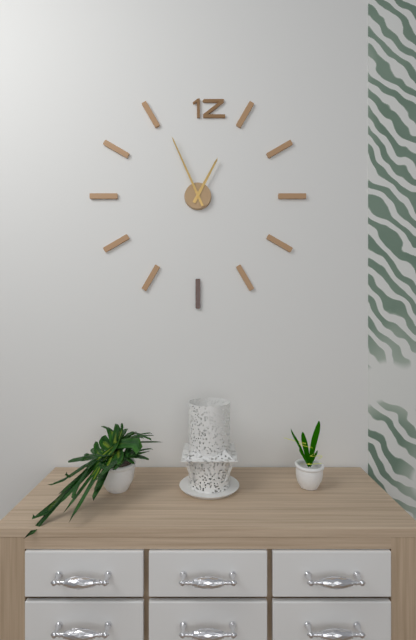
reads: 12,56
